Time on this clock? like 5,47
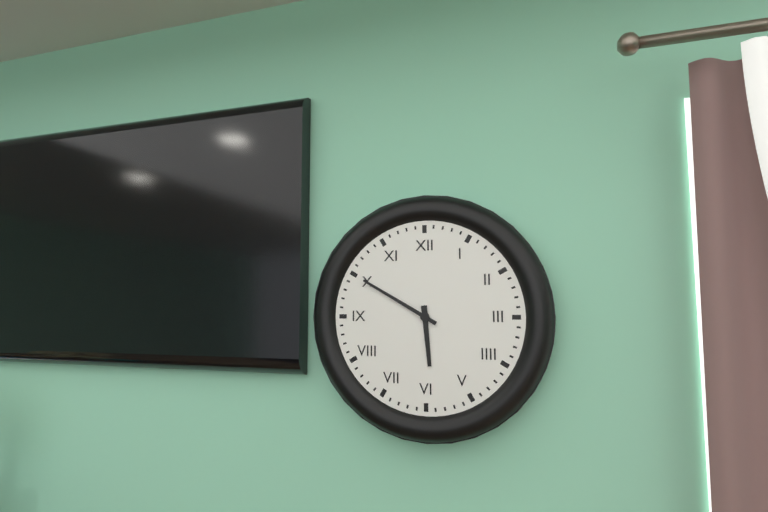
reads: 5,50
